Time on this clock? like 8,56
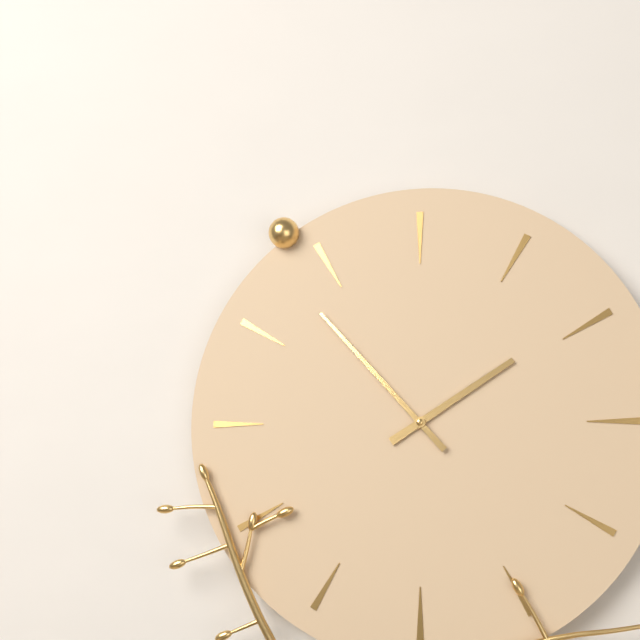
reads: 1,53
